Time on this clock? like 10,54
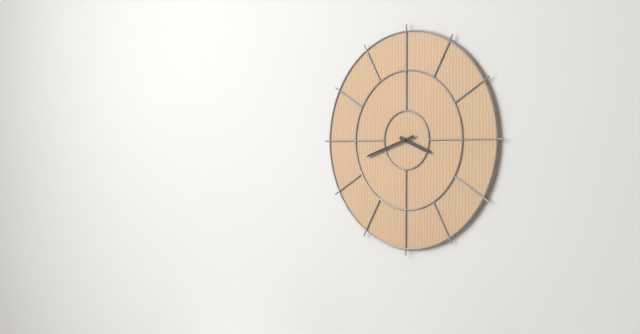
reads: 3,42
